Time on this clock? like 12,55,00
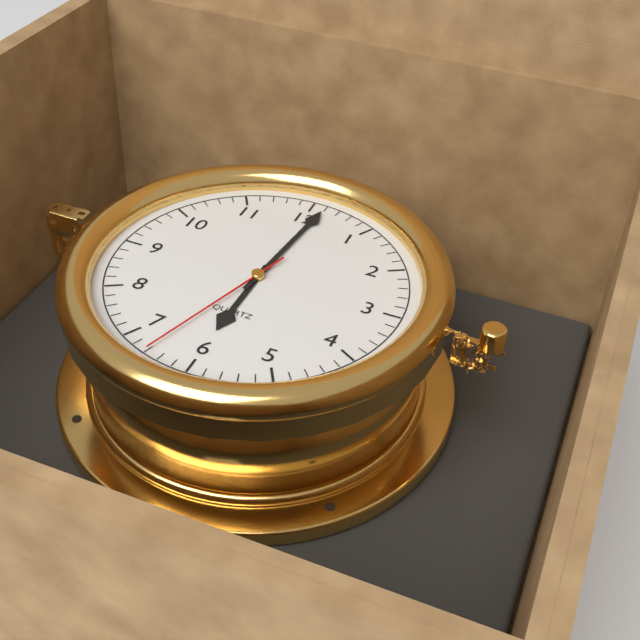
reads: 6,01,33
